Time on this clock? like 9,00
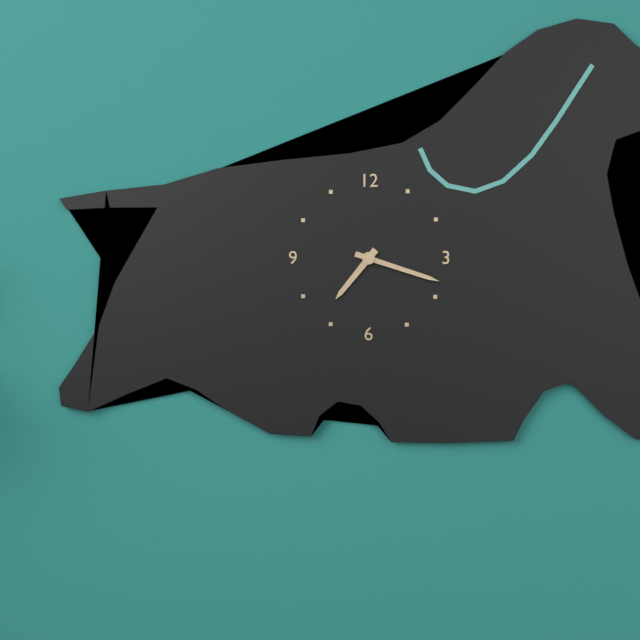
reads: 7,18
